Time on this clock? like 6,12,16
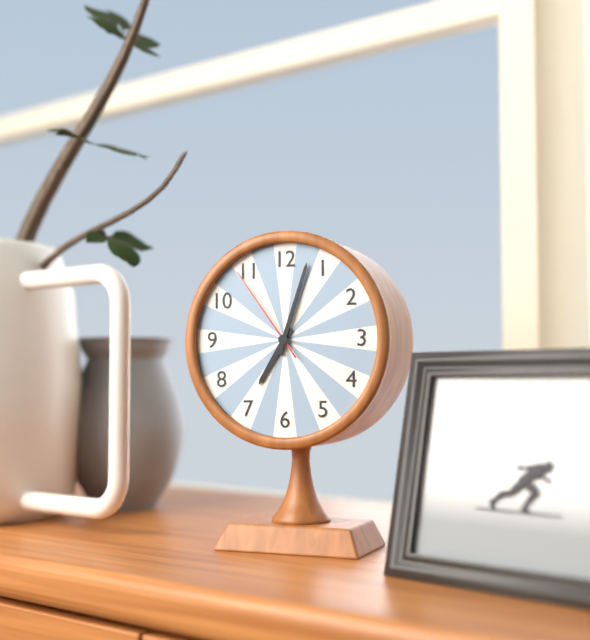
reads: 7,03,54
